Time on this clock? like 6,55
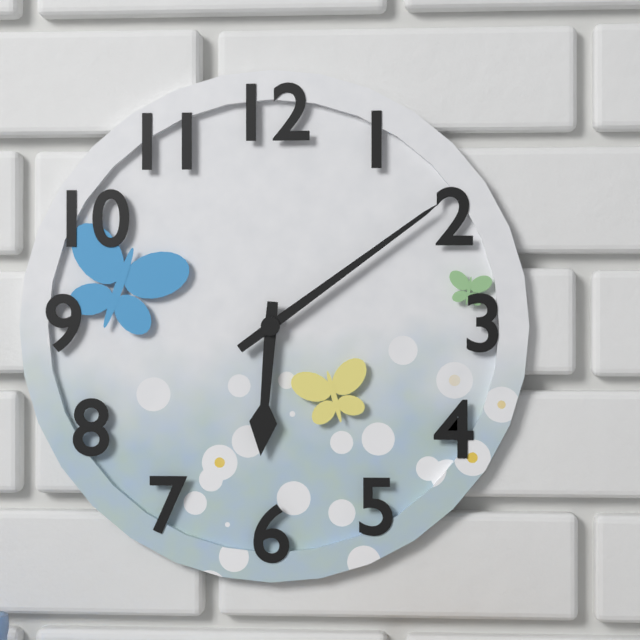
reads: 6,09
